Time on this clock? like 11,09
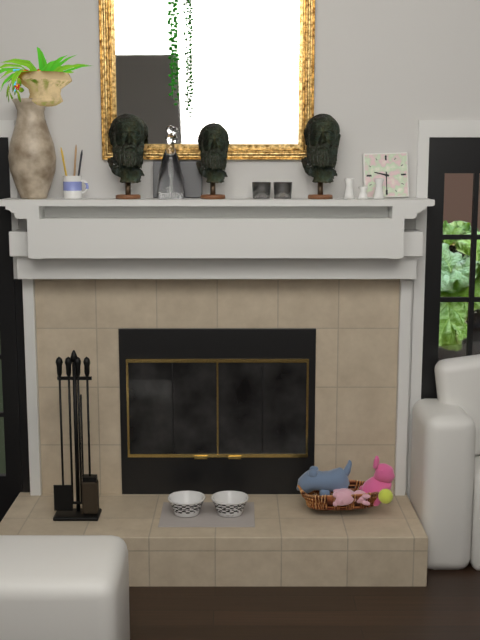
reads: 9,30
